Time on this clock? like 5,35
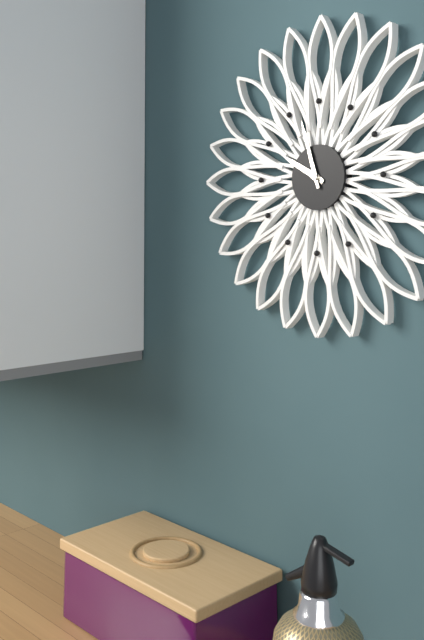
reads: 9,57
